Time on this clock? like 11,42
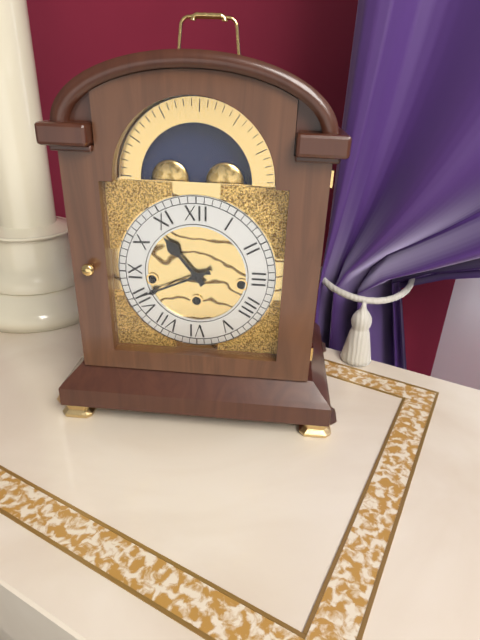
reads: 10,41
